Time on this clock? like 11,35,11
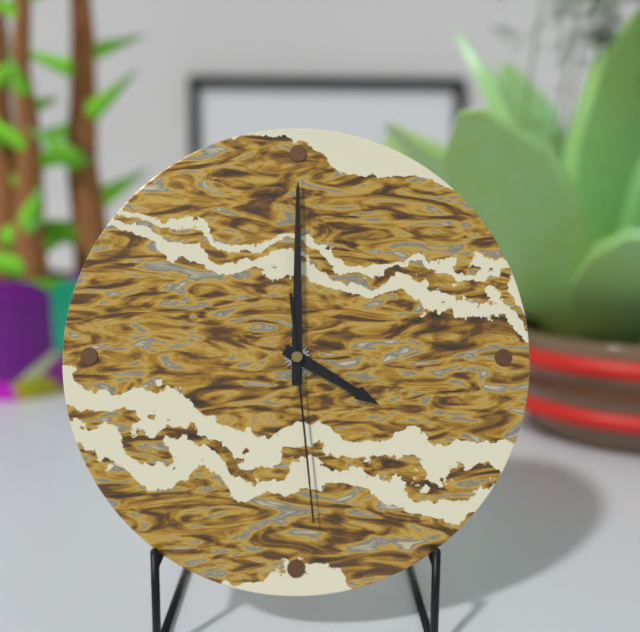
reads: 4,00,29
